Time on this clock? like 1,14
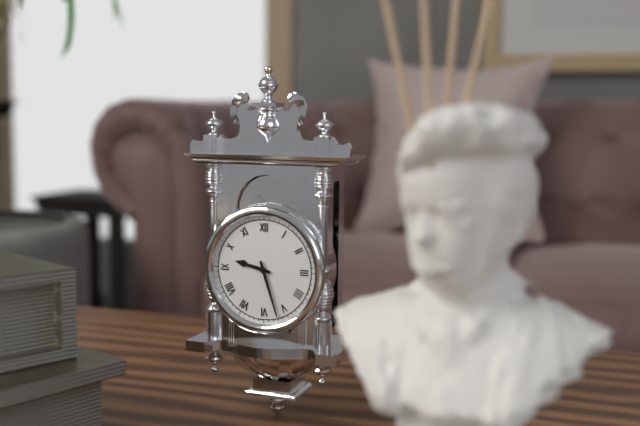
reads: 9,27
